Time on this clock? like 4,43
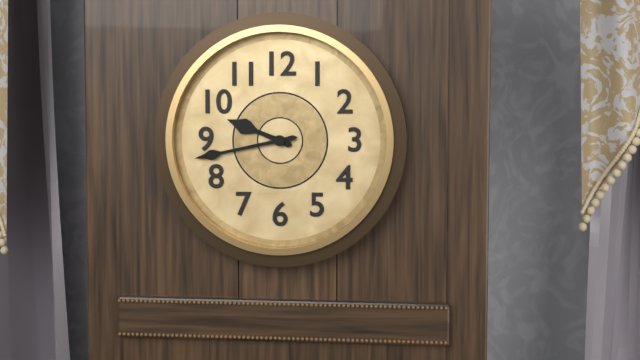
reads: 9,43
